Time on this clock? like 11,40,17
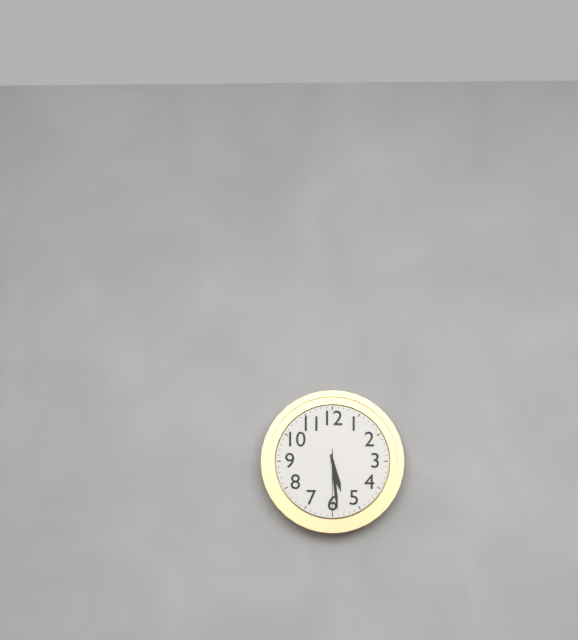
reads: 5,29,30
